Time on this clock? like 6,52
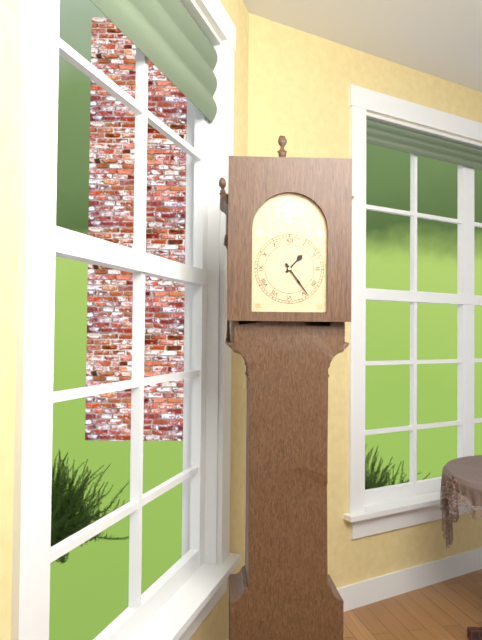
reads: 1,24
